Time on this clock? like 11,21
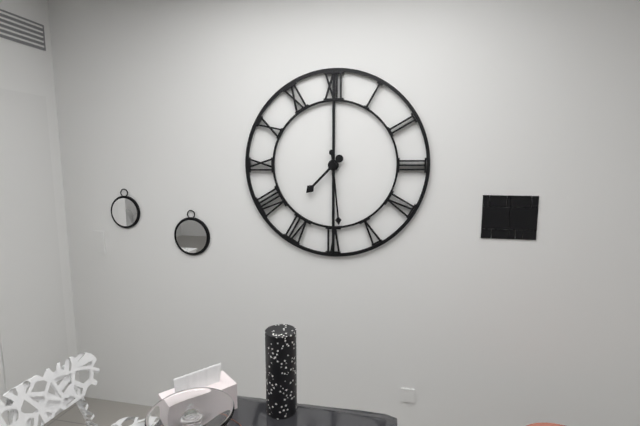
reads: 7,29
